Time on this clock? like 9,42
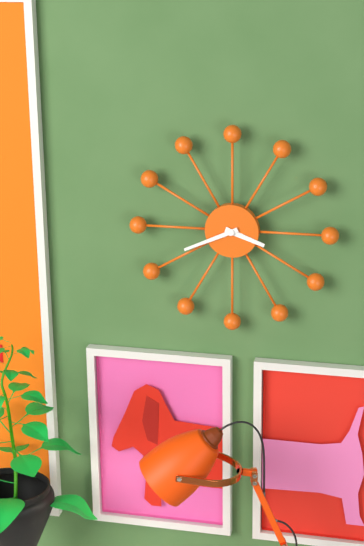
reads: 3,41
